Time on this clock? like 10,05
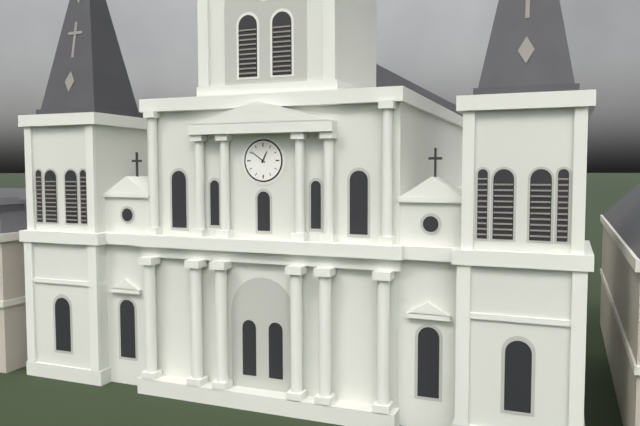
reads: 12,51
